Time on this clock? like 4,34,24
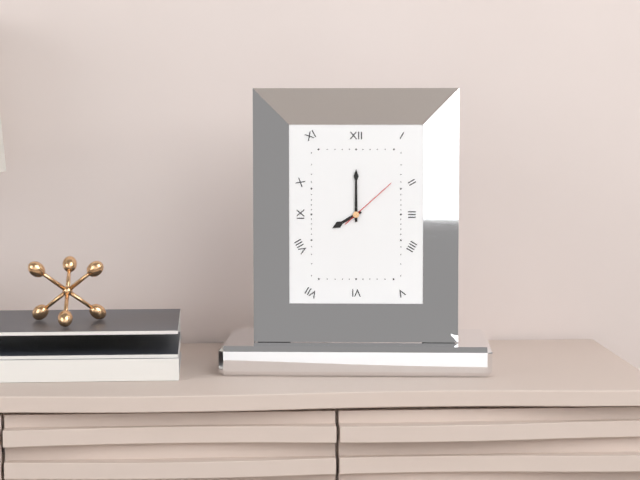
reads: 8,00,08
